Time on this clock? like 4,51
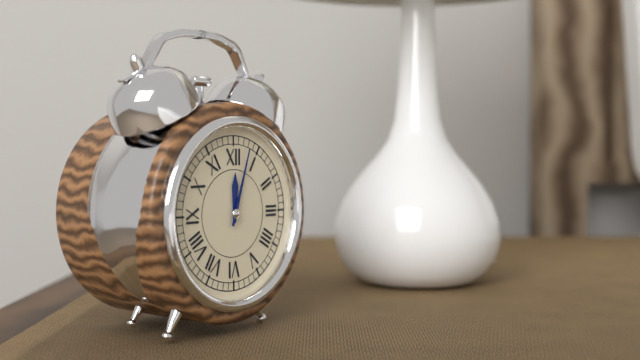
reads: 12,03
